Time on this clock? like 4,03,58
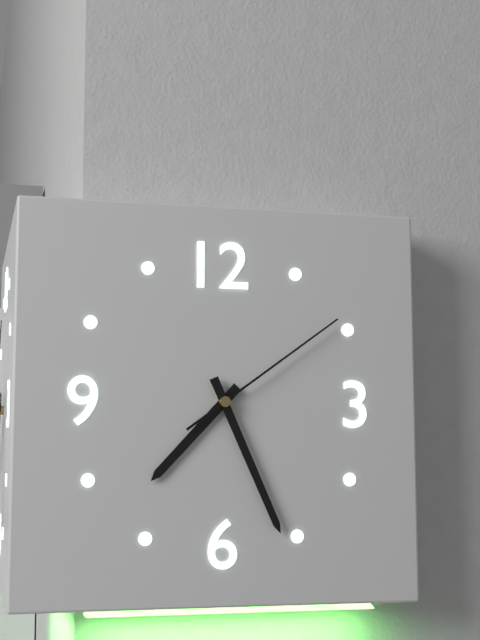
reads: 7,26,09
